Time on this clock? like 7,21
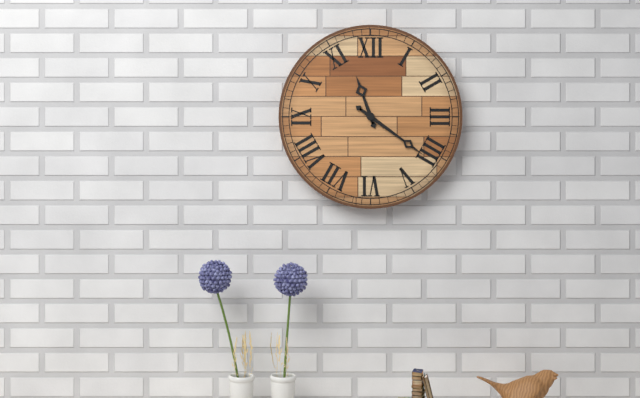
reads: 11,21
